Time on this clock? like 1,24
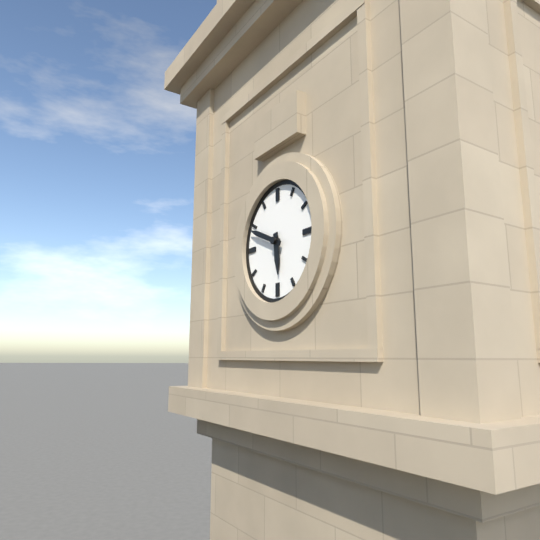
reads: 5,49
